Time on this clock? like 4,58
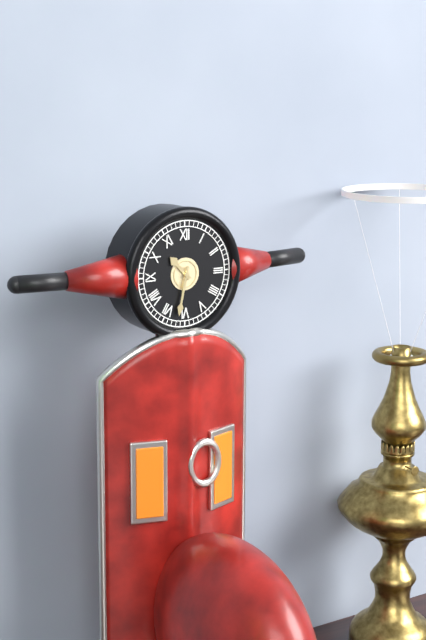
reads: 10,32
